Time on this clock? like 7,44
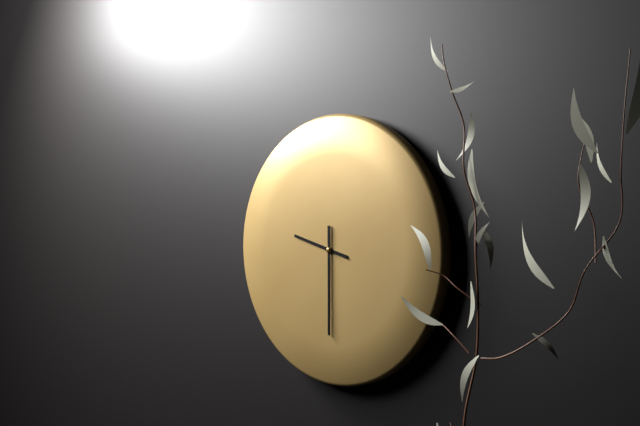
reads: 9,30
